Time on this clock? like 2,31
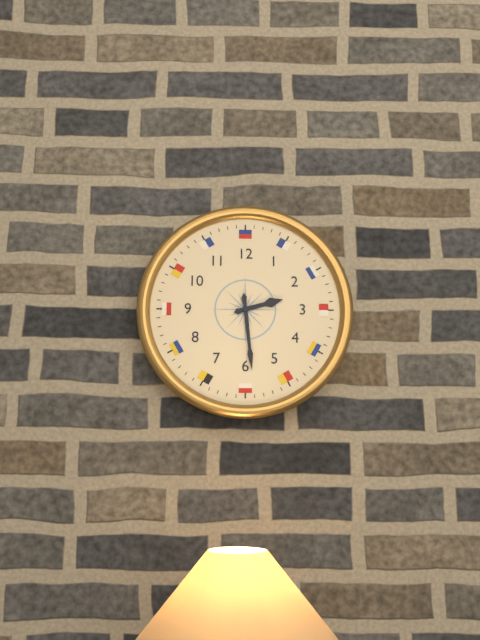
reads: 2,29
